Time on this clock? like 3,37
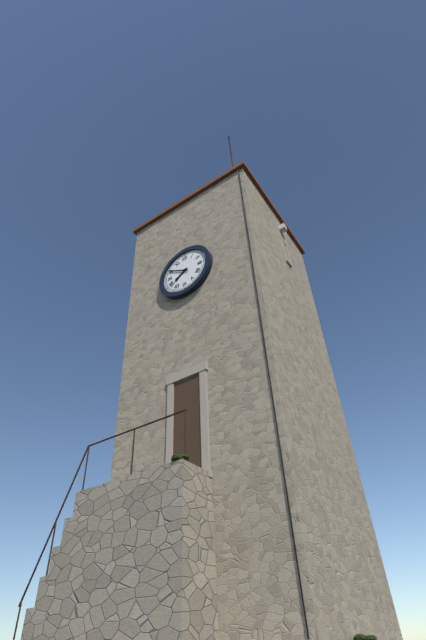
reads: 7,50
